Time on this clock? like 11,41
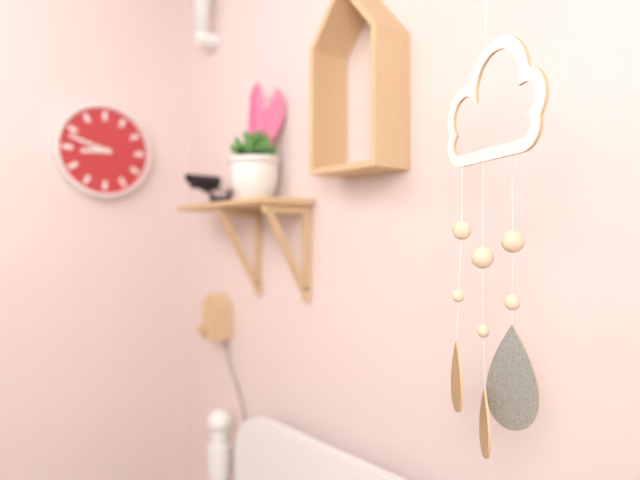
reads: 8,48
